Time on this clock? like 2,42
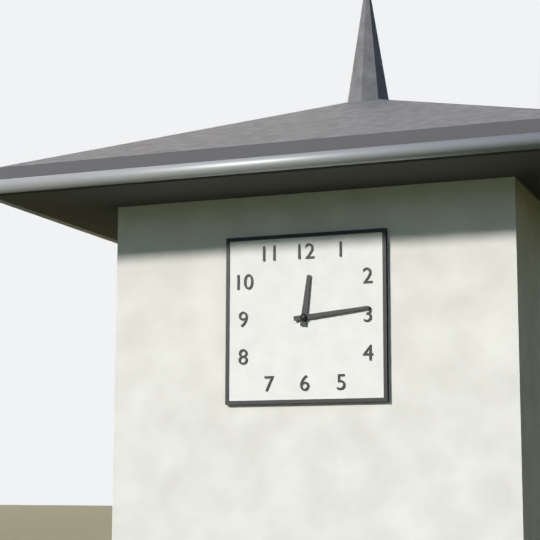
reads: 12,14
